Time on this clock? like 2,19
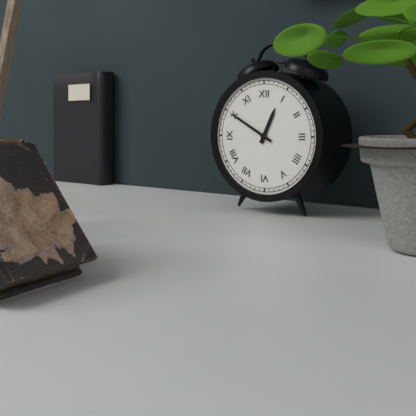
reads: 12,50
